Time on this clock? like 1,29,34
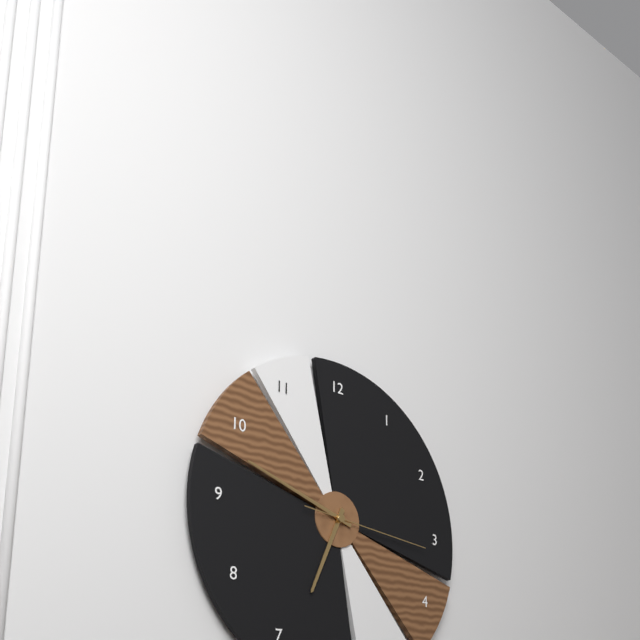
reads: 6,48,16
